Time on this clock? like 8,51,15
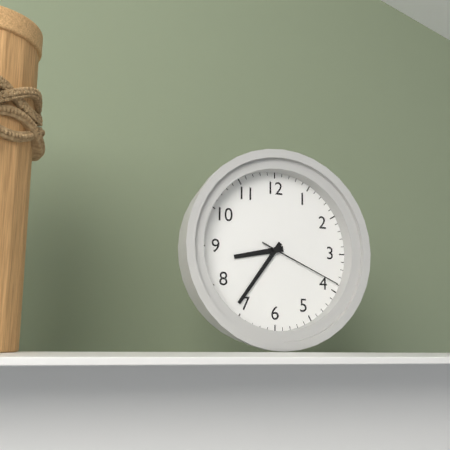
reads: 8,36,19
